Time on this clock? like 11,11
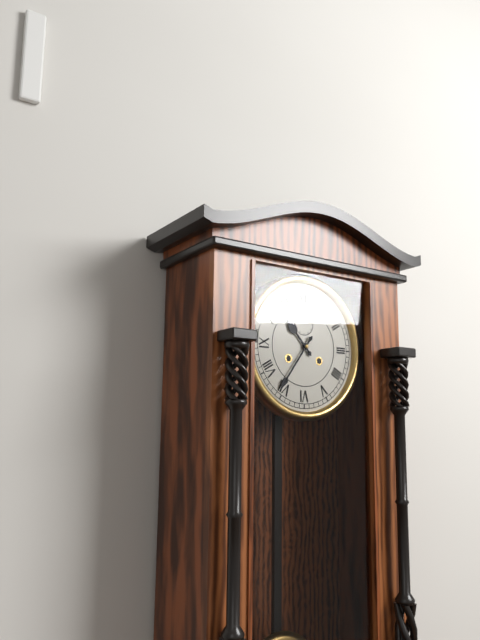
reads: 10,36
